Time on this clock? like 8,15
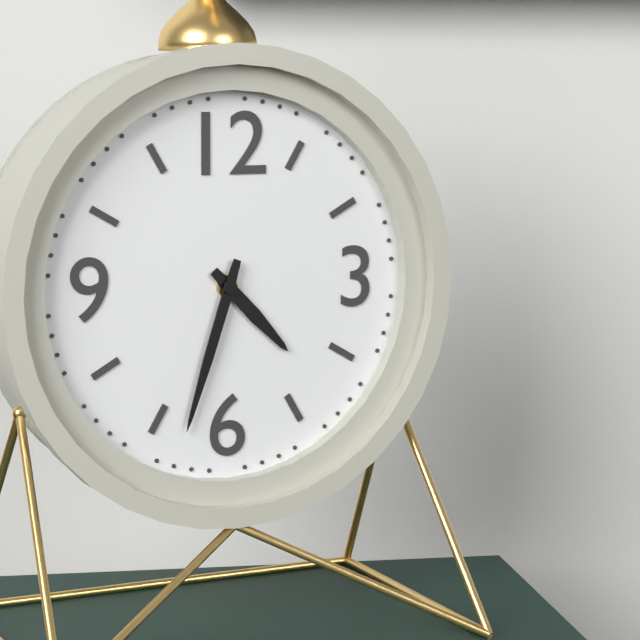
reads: 4,33
